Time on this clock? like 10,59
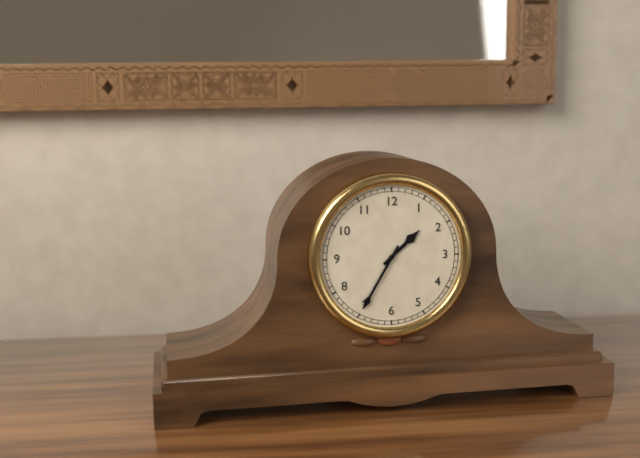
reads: 1,35
